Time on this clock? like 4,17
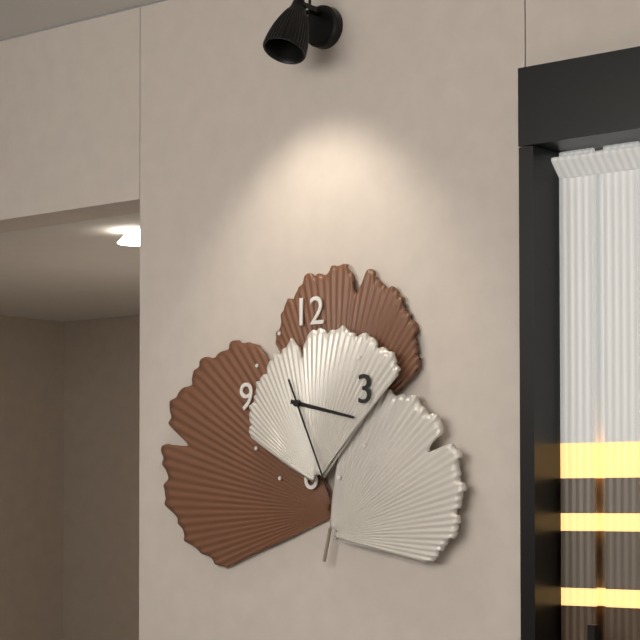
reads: 3,26
